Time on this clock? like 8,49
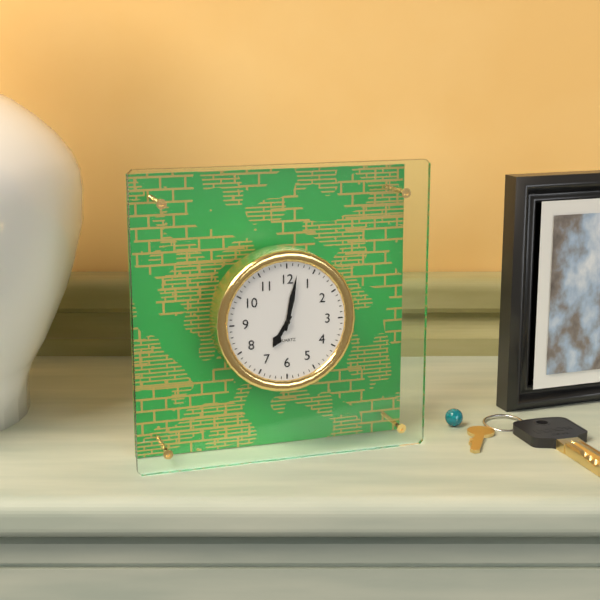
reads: 7,02
